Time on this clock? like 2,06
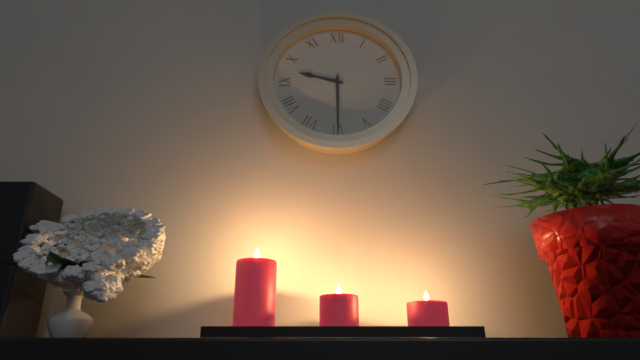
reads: 9,30
